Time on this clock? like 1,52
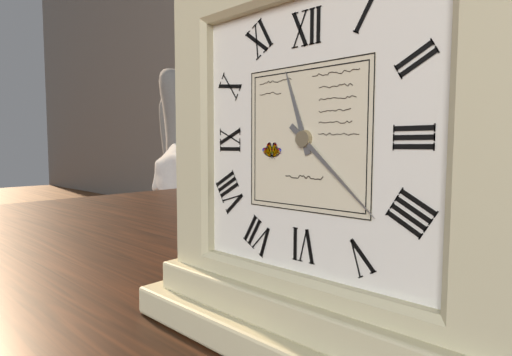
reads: 11,22
